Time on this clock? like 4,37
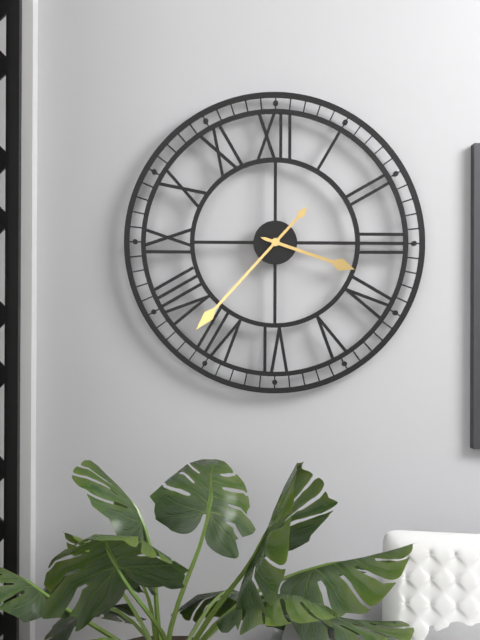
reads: 3,37
